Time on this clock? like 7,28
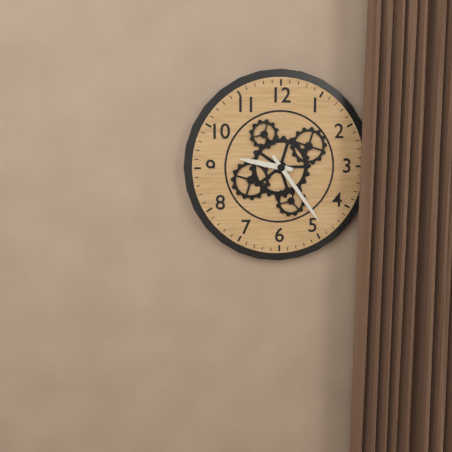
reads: 9,24
